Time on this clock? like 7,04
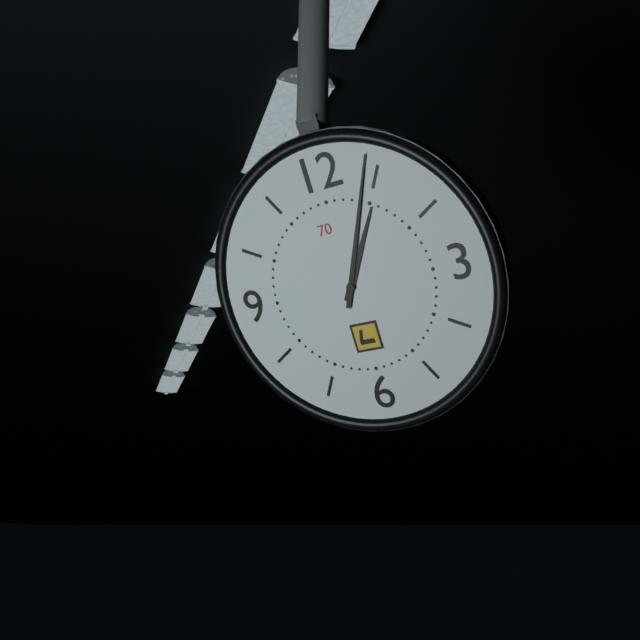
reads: 1,04
